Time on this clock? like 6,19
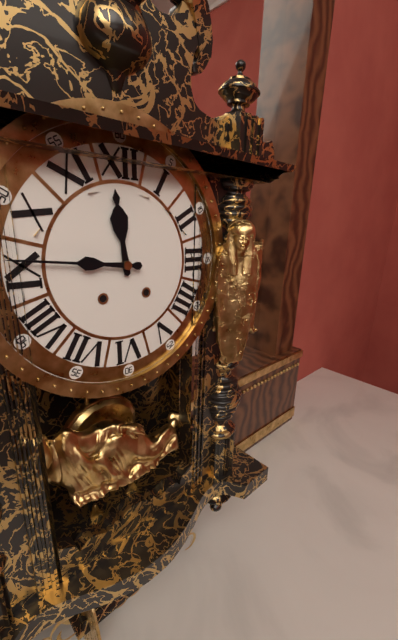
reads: 11,46
